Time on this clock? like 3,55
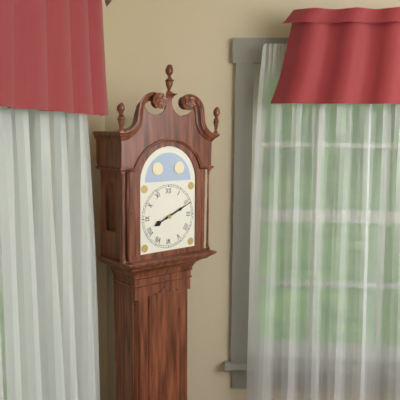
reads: 8,11
